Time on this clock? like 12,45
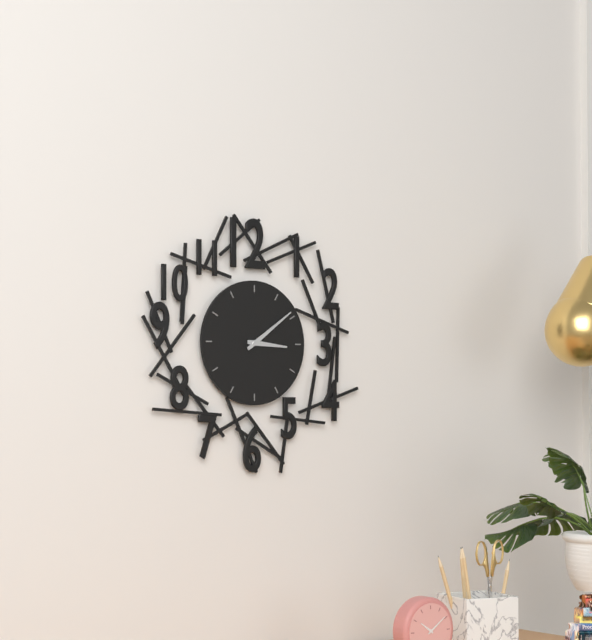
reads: 3,09
